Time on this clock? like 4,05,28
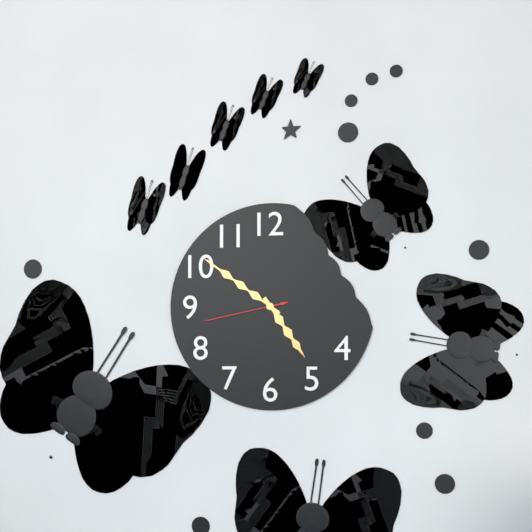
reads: 4,51,43
